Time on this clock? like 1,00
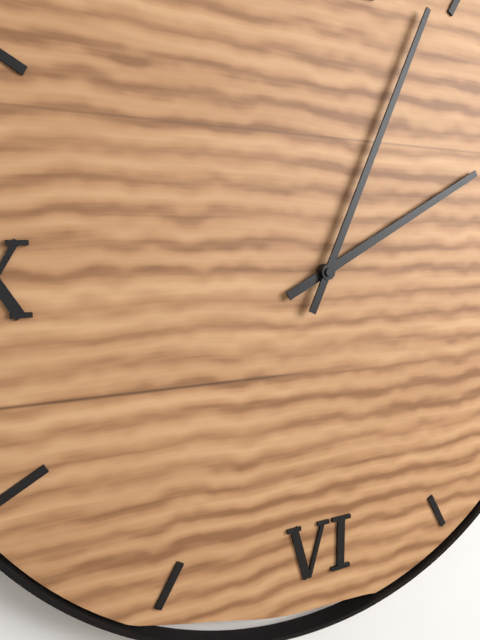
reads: 2,04
